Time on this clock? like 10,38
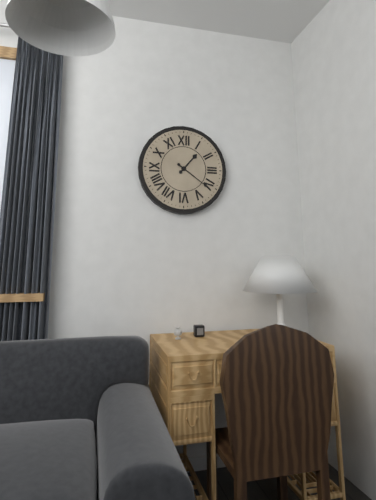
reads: 1,21
